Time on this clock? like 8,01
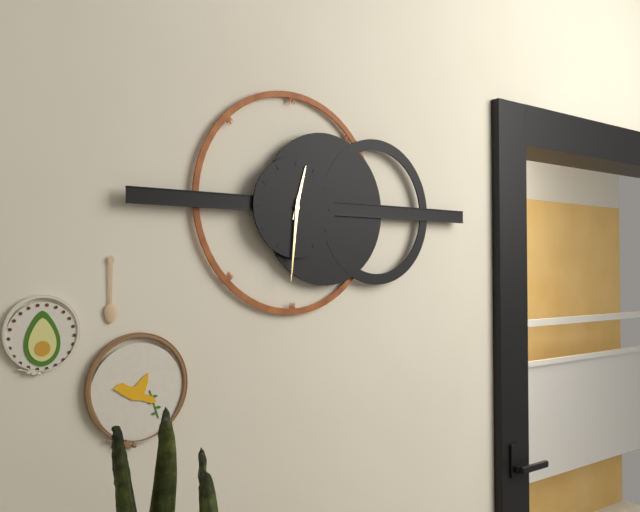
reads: 12,31
